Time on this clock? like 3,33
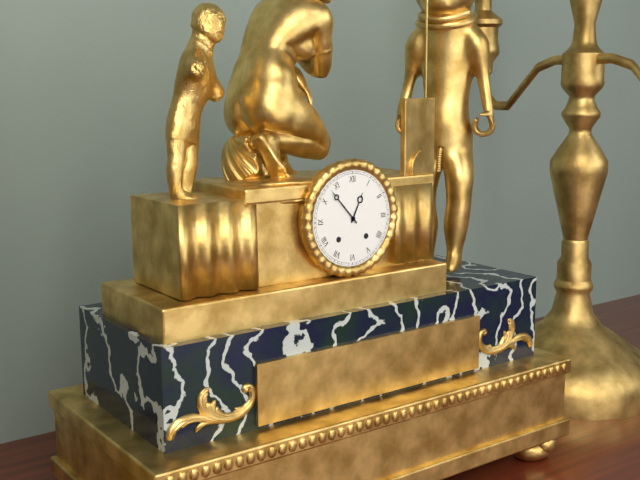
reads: 12,53
